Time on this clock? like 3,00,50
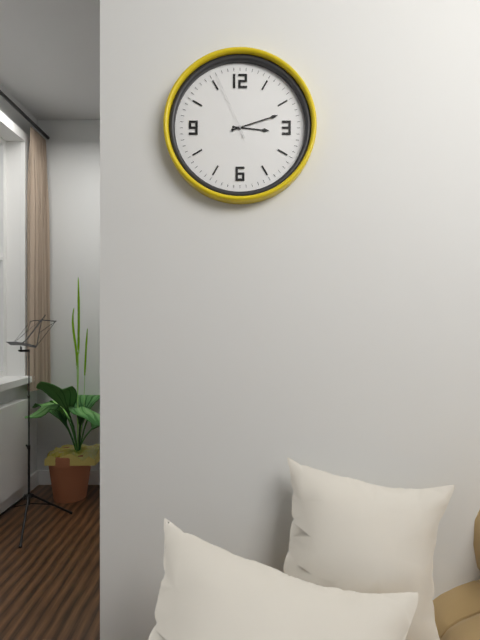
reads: 3,12,56
